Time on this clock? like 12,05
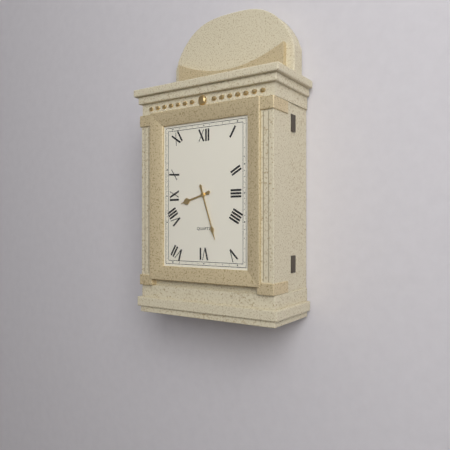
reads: 8,27
